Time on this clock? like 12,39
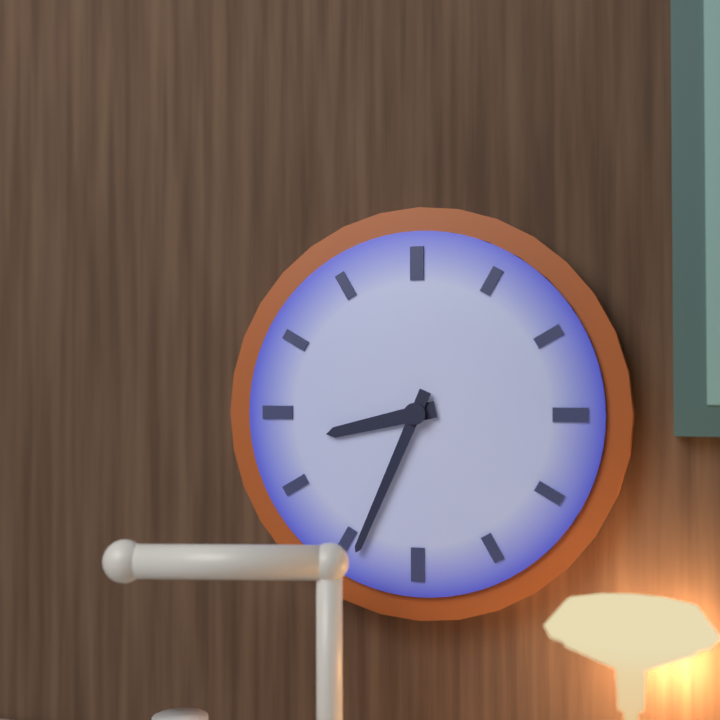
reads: 8,34
